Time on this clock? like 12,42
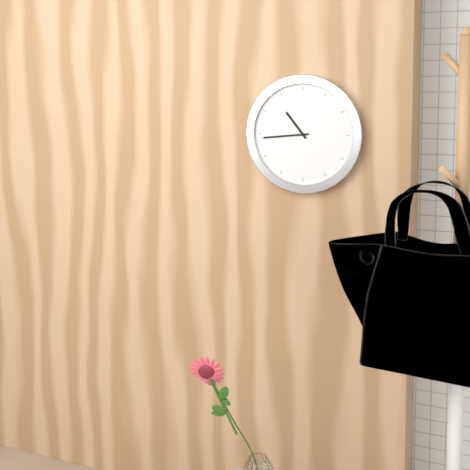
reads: 10,44
